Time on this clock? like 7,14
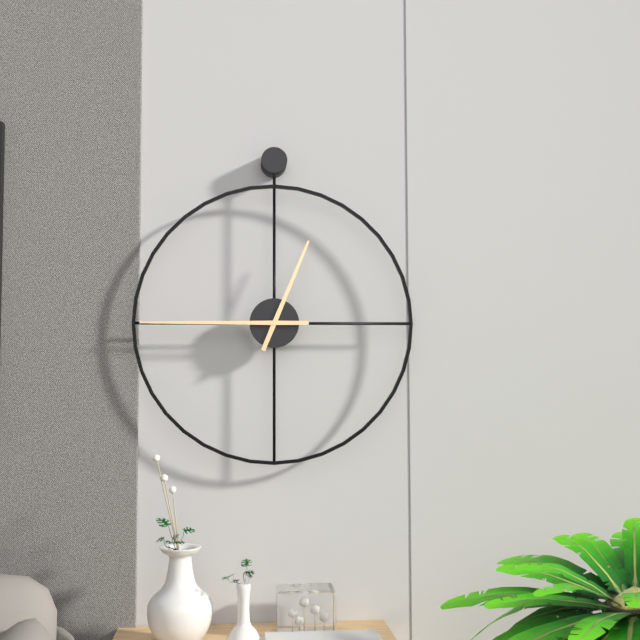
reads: 12,45
